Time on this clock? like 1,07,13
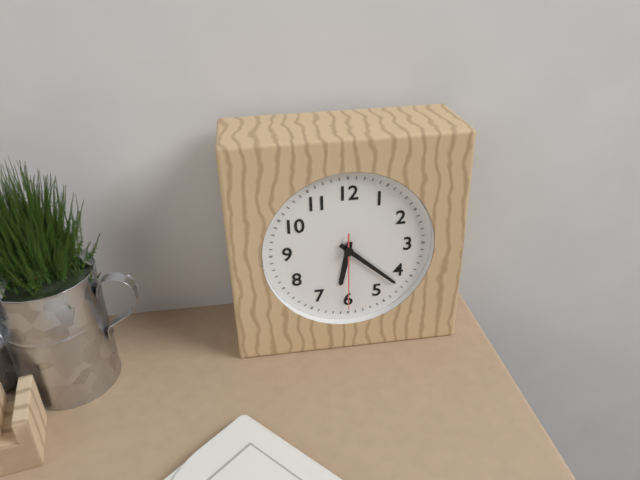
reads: 6,22,30
